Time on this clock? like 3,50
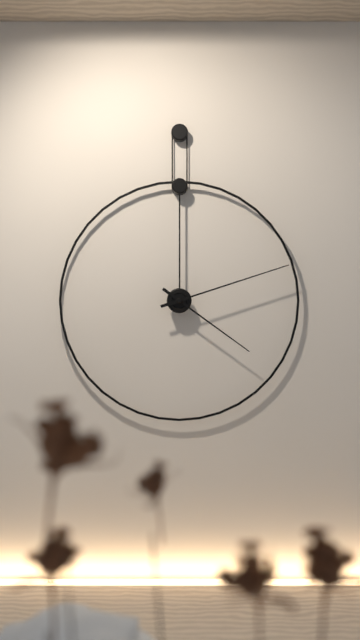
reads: 4,12
